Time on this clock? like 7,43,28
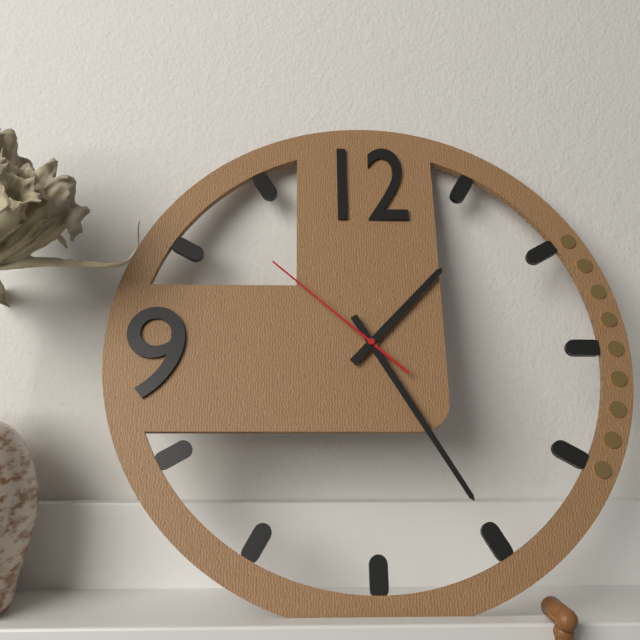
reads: 1,25,52
